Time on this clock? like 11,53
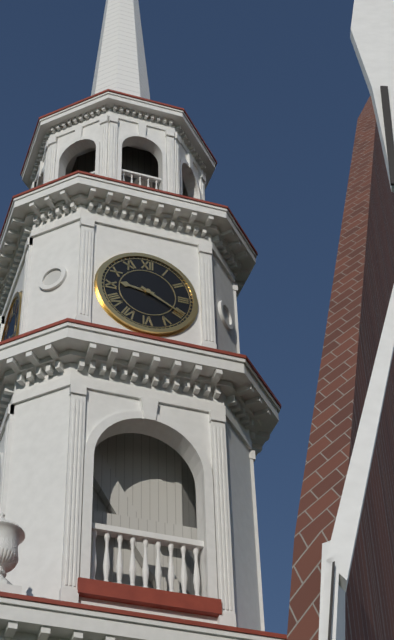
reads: 9,20
